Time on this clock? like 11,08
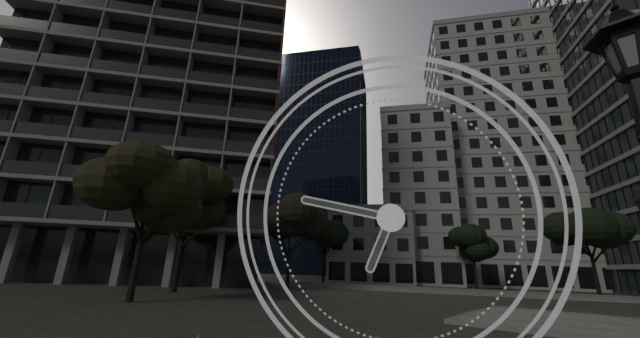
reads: 6,47
